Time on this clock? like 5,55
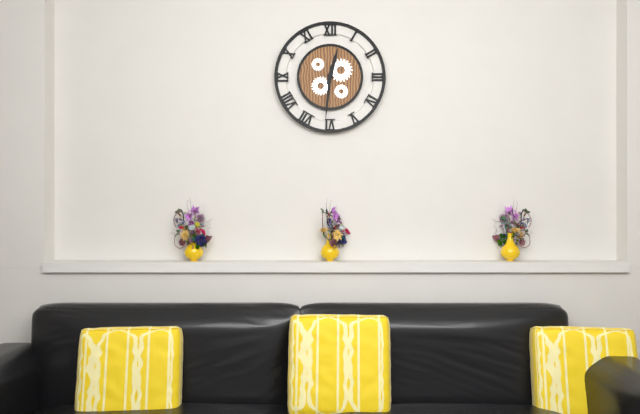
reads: 12,31
